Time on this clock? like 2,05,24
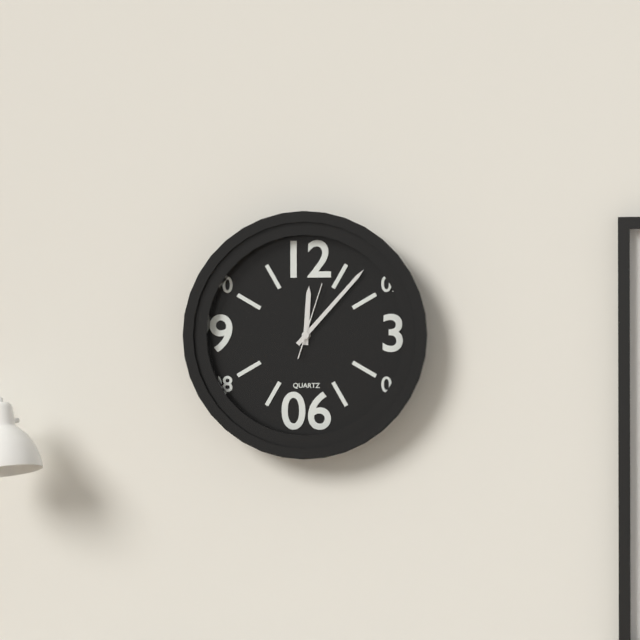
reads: 12,07,03
